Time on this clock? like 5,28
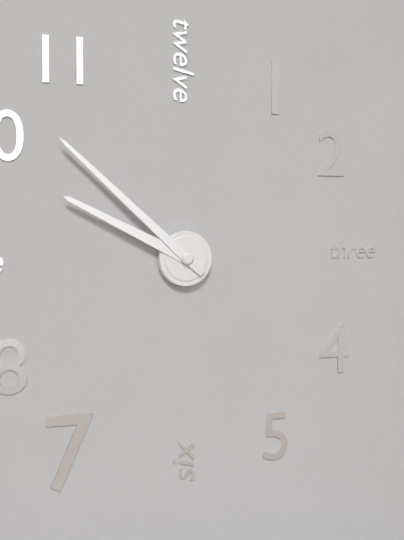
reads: 9,52
